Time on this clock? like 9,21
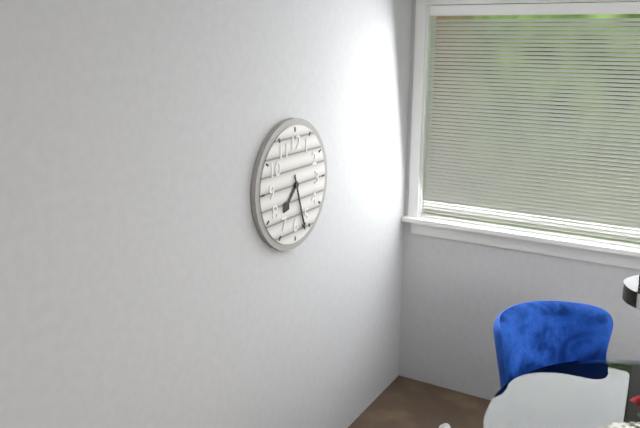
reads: 7,27
